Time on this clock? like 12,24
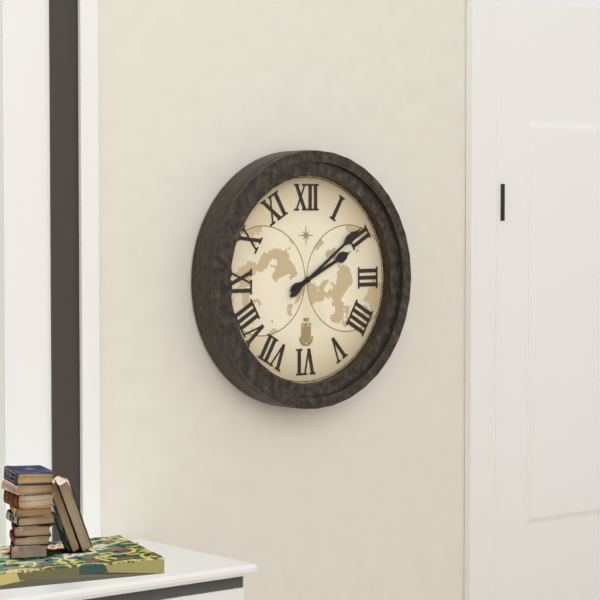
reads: 2,09
